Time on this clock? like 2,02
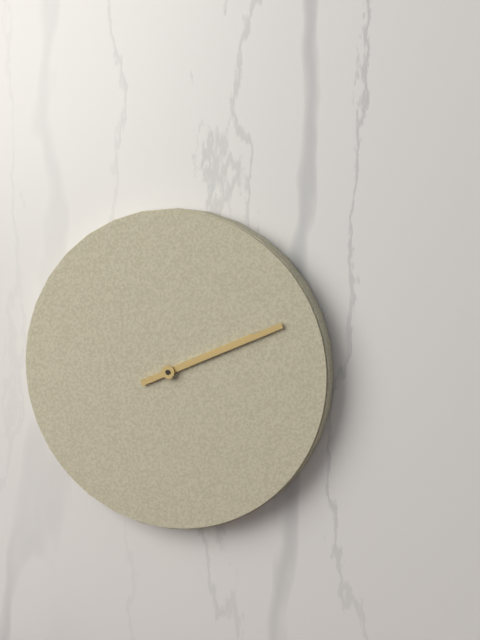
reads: 2,11
